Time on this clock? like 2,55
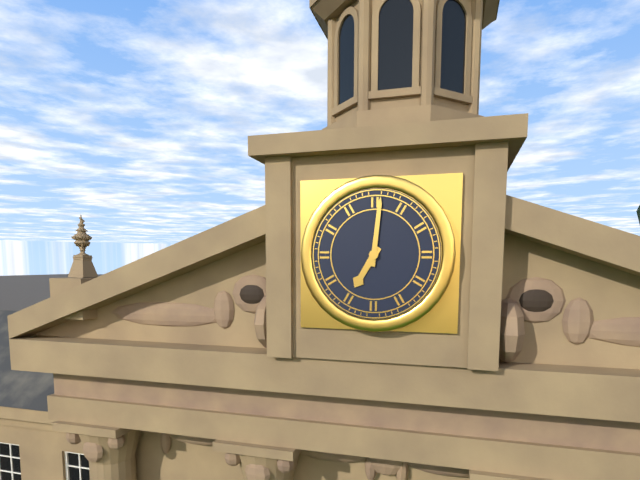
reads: 7,01
